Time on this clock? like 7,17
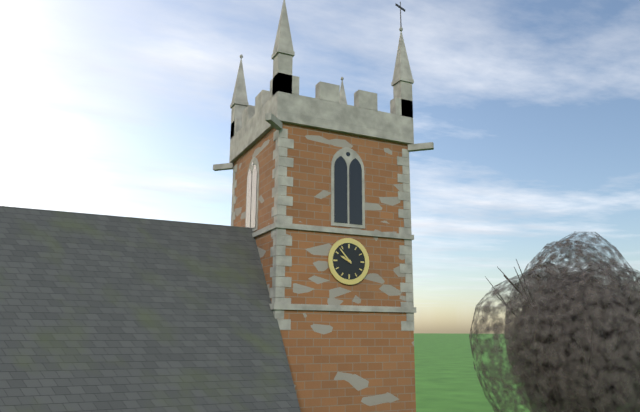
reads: 9,53
